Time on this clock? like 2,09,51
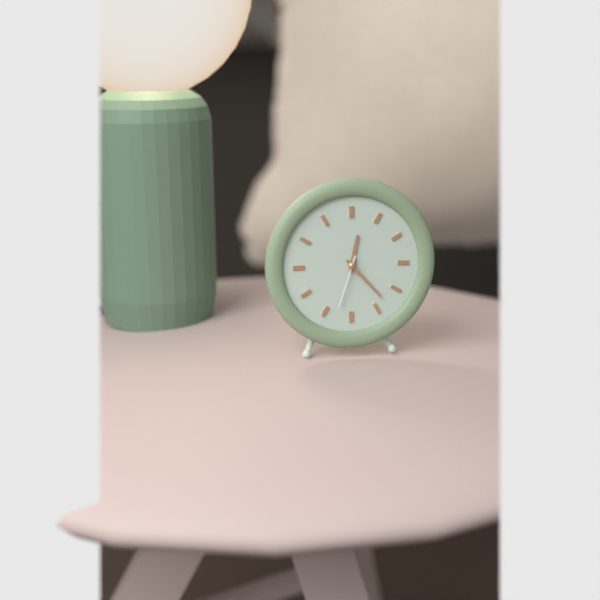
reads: 12,23,33
